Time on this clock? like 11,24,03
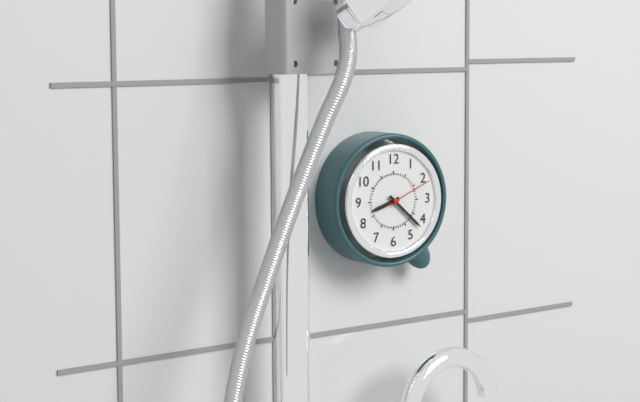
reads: 8,22,11
